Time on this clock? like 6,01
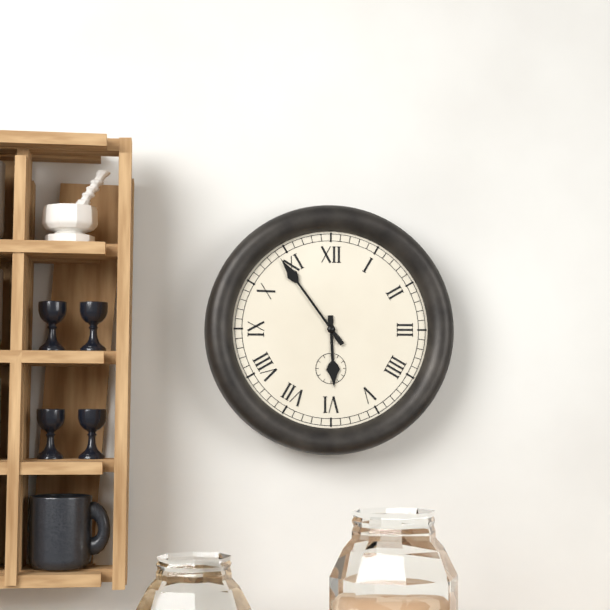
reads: 5,54
